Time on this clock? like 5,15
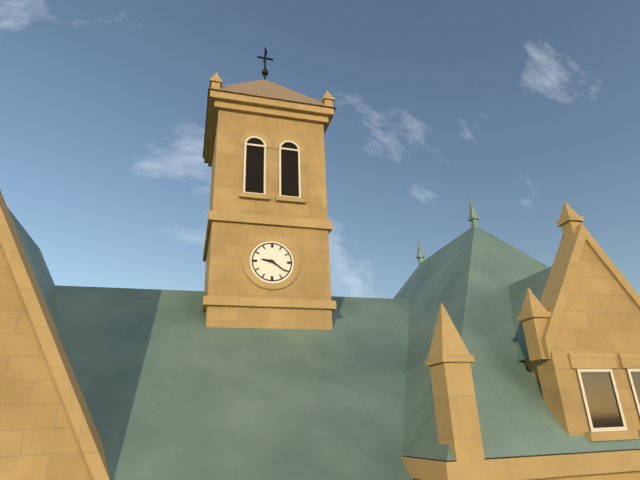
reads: 9,21
